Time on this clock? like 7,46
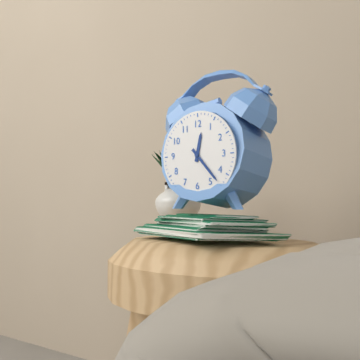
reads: 12,23
